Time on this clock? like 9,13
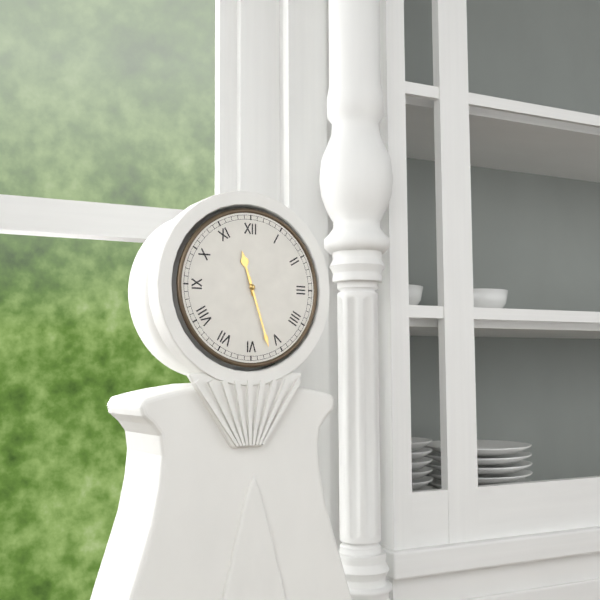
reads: 11,27
